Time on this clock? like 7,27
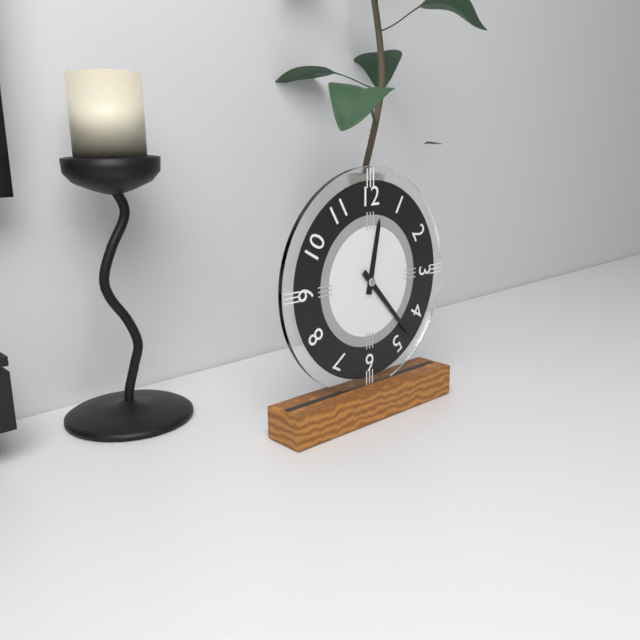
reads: 12,23
